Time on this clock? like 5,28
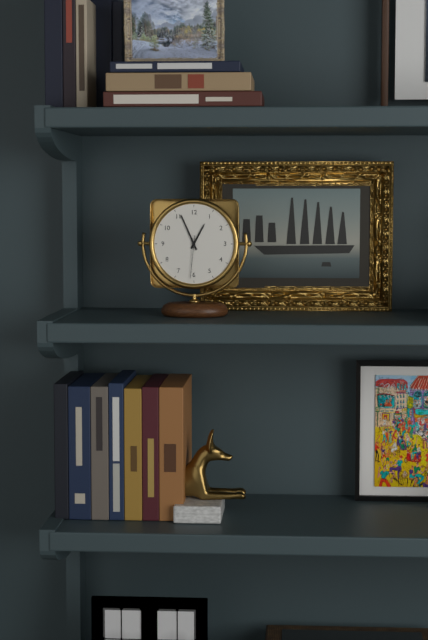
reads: 12,56
